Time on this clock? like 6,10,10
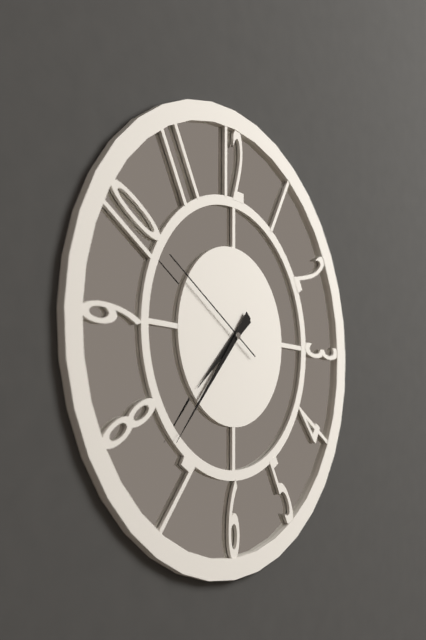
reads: 7,37,50
